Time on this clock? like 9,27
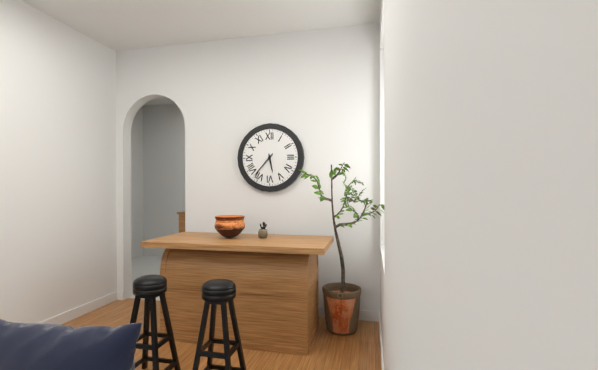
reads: 5,37
